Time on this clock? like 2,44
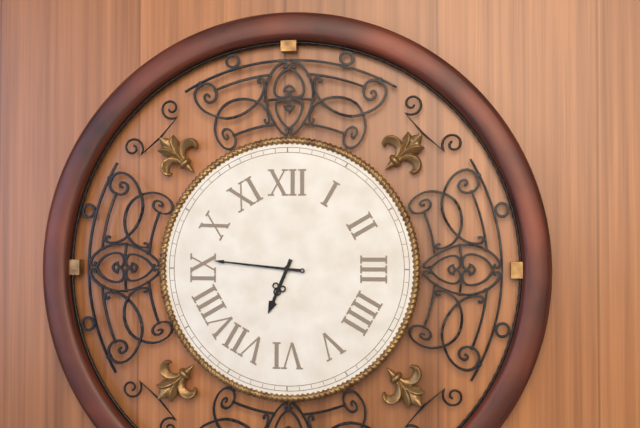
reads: 6,46
